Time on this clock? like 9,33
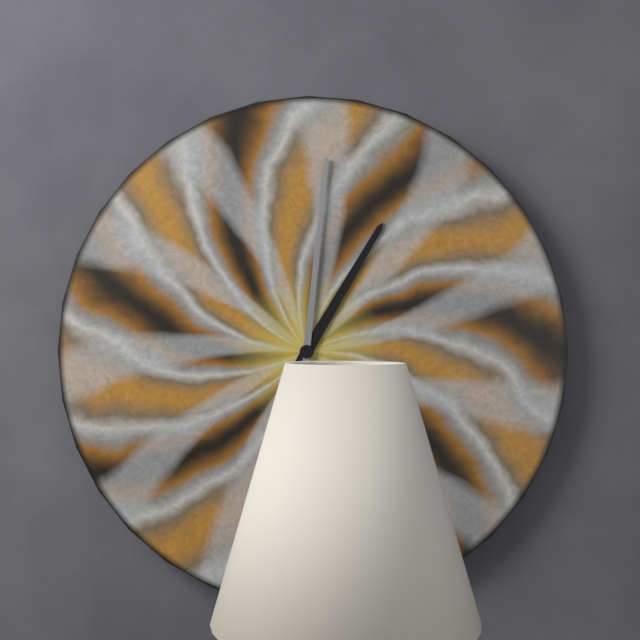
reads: 1,01
